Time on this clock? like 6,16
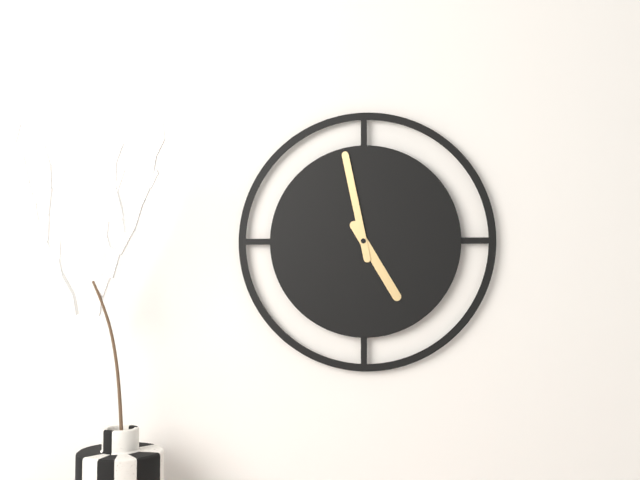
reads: 4,58
